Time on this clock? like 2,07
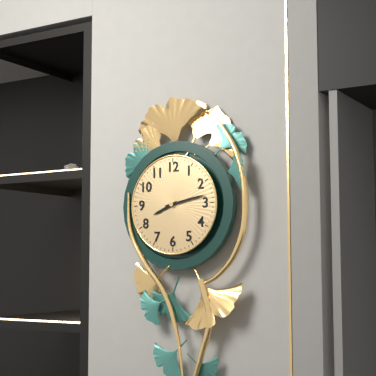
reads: 8,13
